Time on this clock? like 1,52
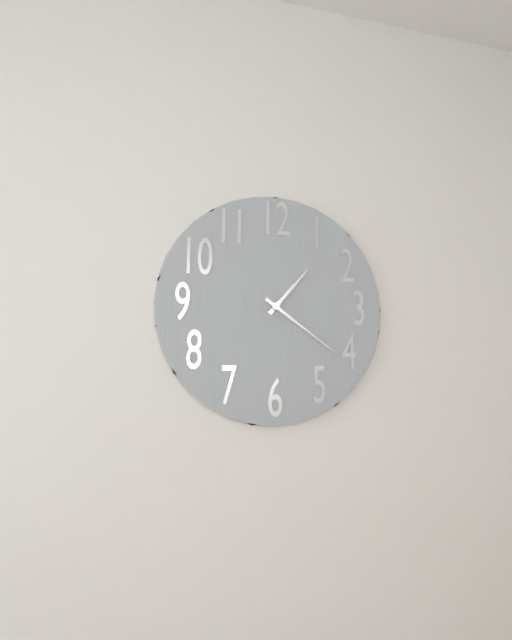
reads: 1,21
